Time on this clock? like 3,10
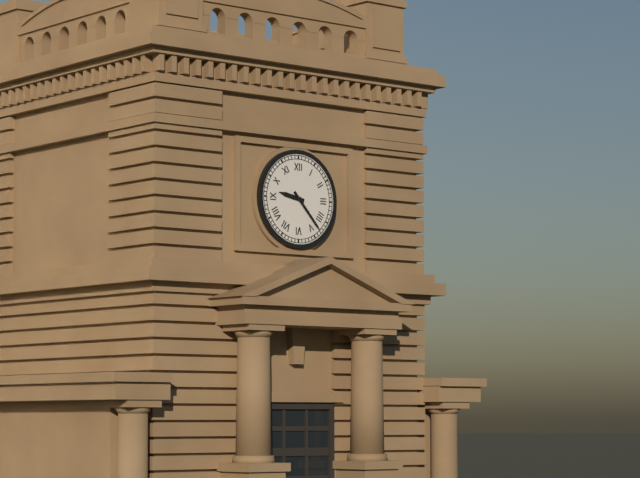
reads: 9,23
